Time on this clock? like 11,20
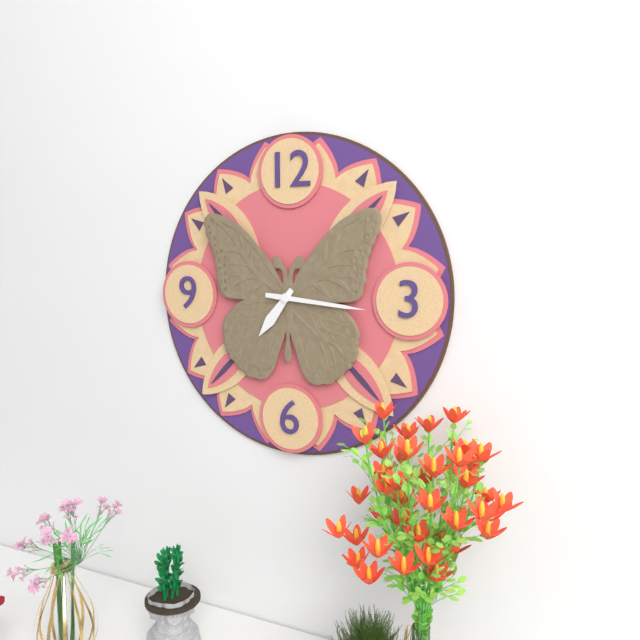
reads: 7,16
